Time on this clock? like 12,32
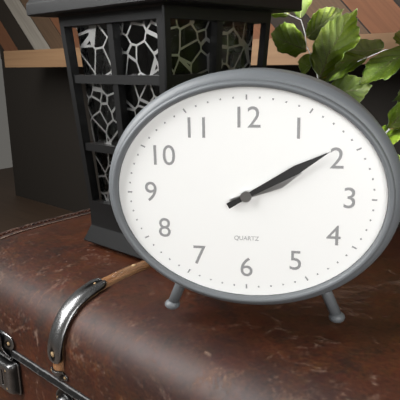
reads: 2,10
